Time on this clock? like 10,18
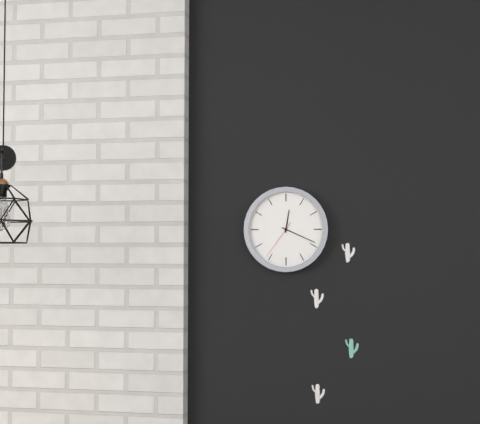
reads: 12,19
